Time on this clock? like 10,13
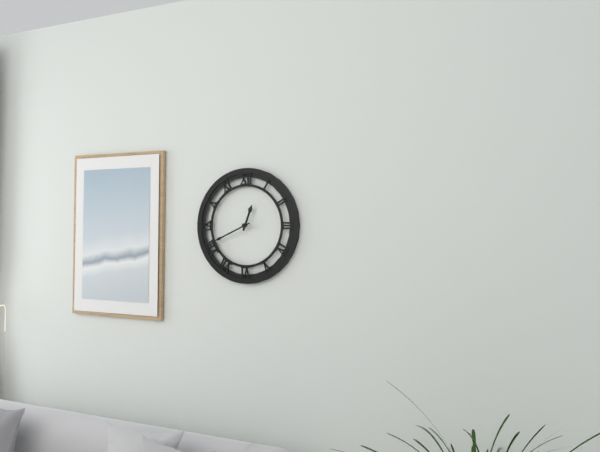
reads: 12,41
